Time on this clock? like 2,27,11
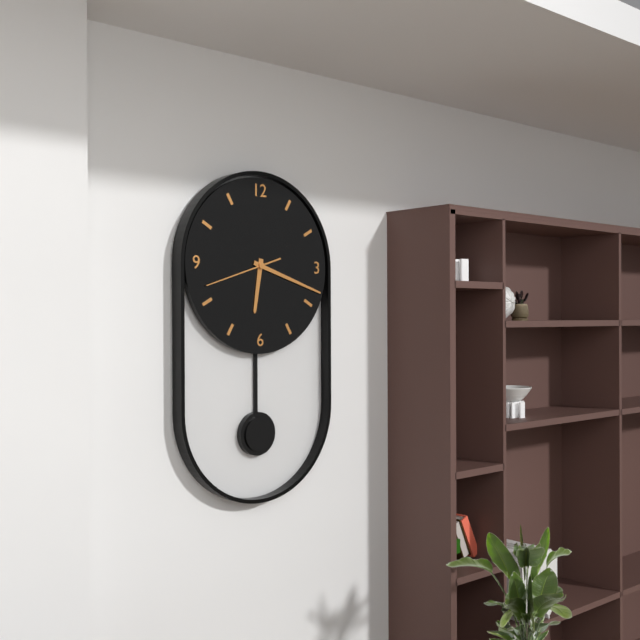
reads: 6,18,42
